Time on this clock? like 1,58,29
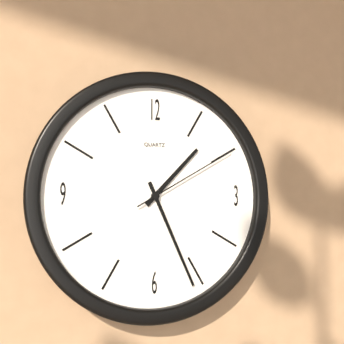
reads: 1,26,10
